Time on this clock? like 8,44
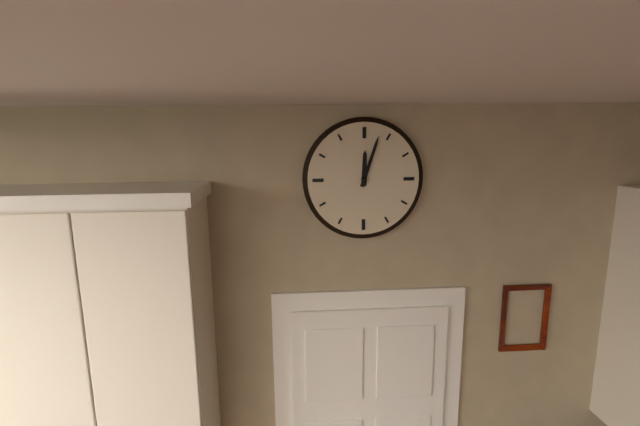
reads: 12,03
